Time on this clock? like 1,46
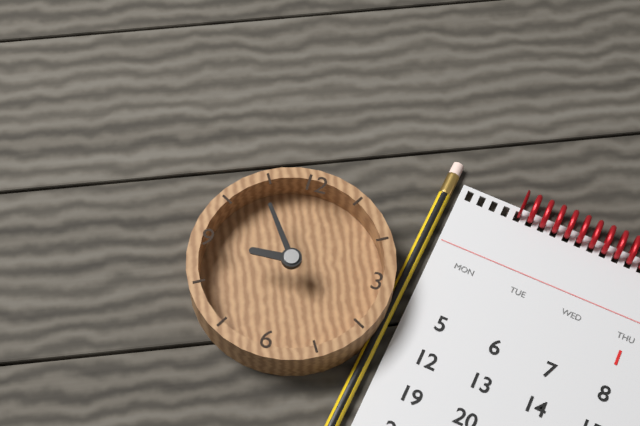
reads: 8,54
